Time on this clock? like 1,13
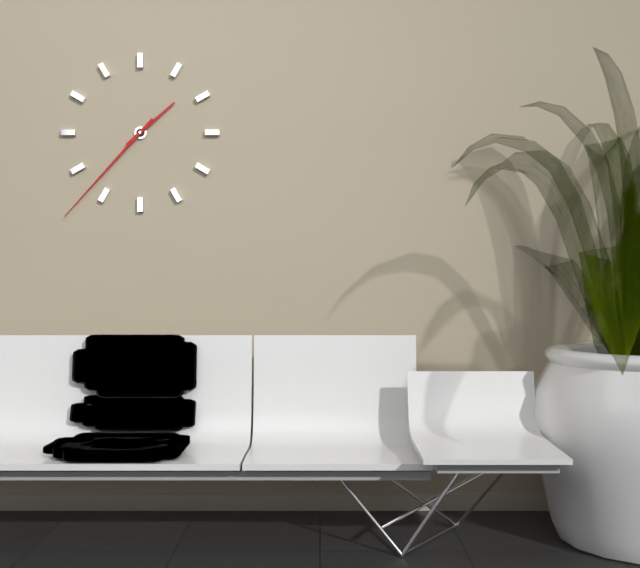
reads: 1,37
